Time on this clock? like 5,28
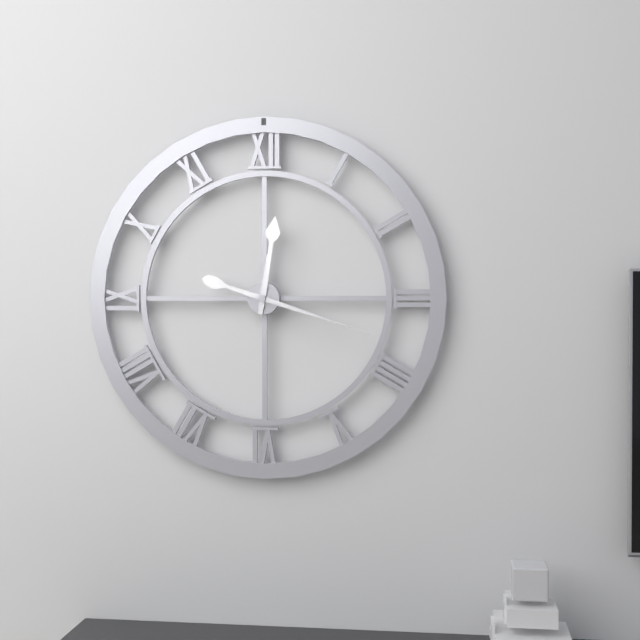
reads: 12,18
